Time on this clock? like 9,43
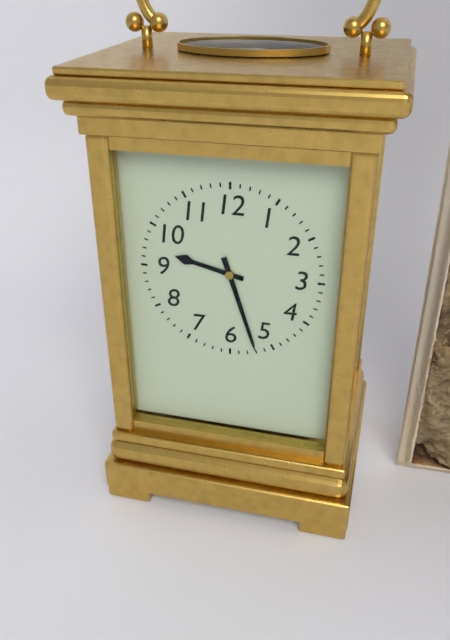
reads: 9,27
